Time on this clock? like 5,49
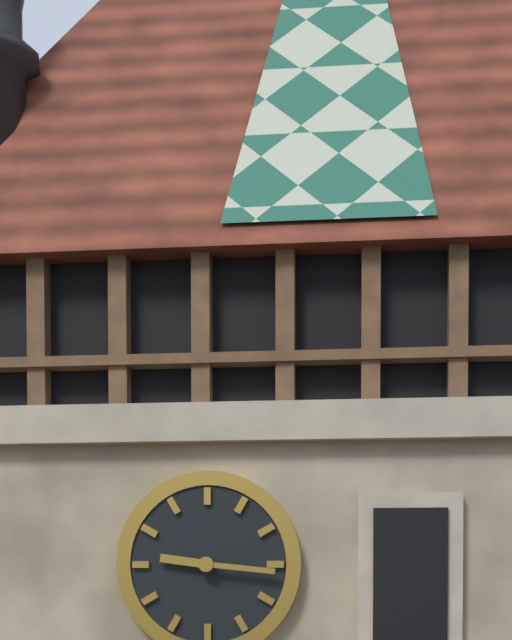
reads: 9,16
